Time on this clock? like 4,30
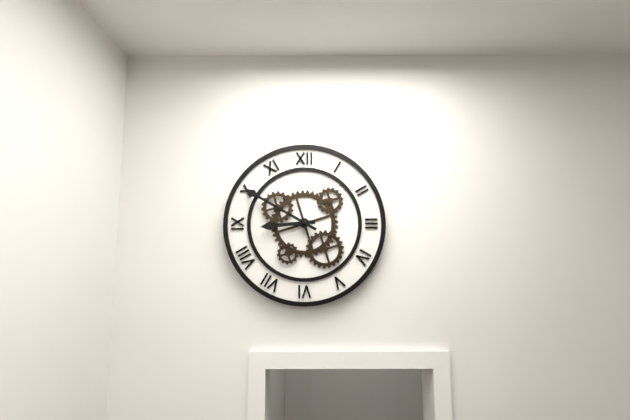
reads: 8,50
